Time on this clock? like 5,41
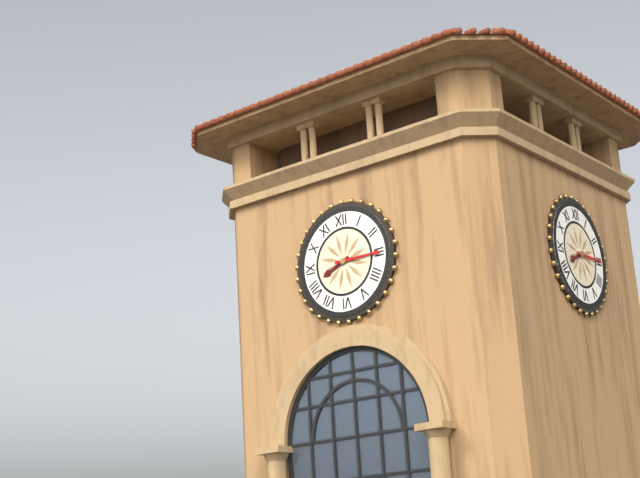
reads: 8,15
